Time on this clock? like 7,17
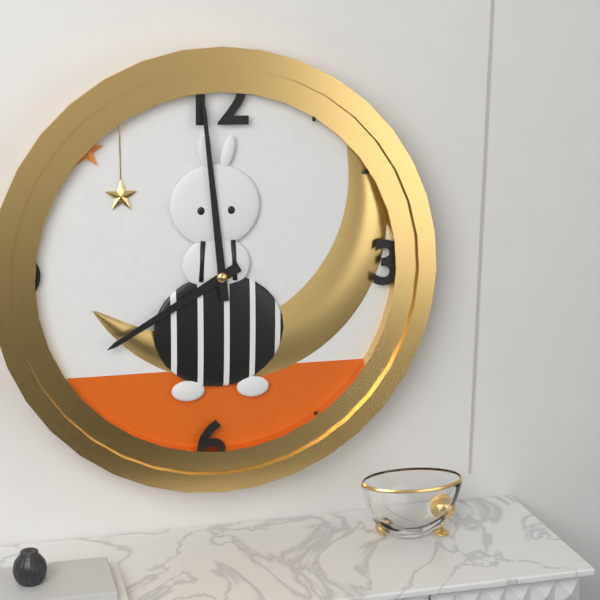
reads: 7,59
